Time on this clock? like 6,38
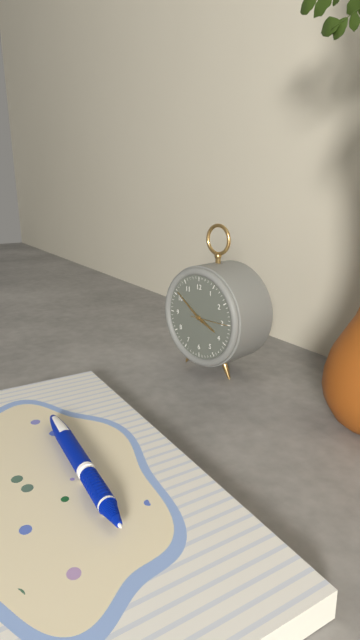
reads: 3,51
